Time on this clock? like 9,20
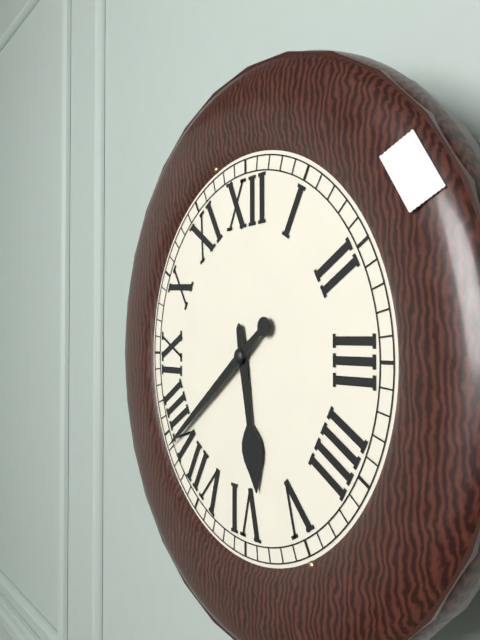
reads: 5,39
